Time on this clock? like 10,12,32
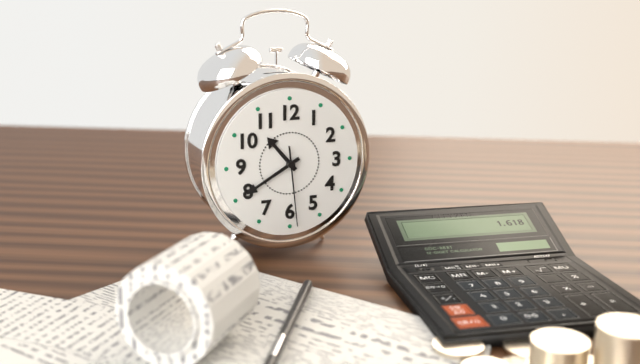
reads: 10,40,29
